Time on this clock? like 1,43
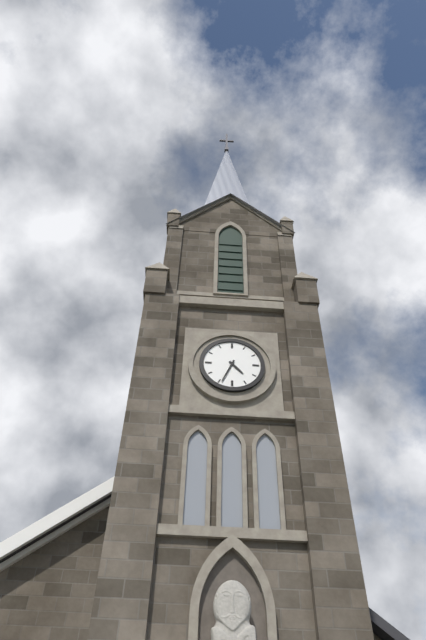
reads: 4,34
